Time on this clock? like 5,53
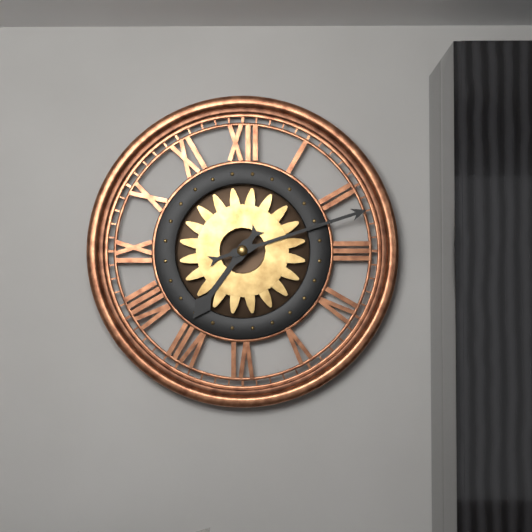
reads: 7,12
